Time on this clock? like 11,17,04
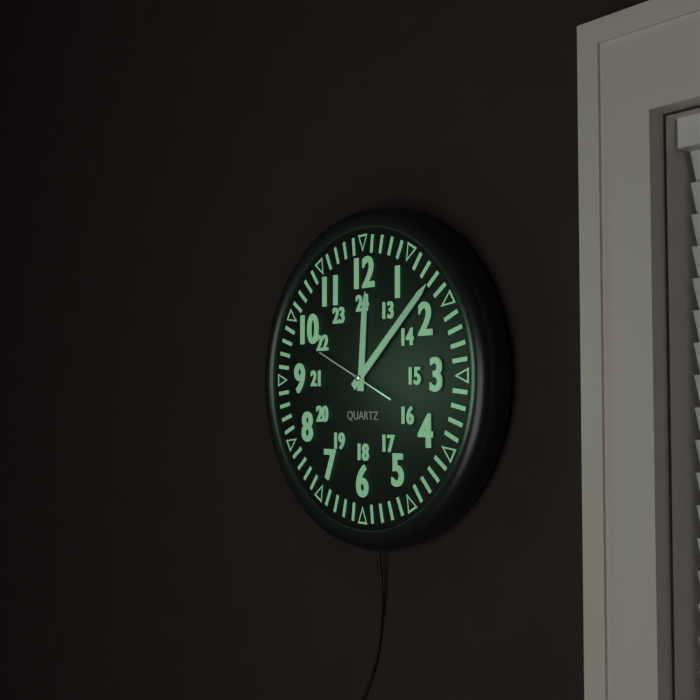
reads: 12,08,49
